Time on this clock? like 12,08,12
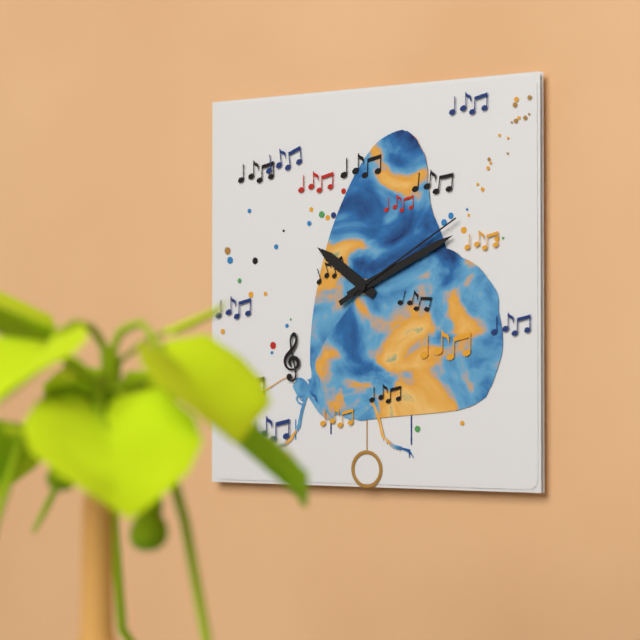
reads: 10,11,10
